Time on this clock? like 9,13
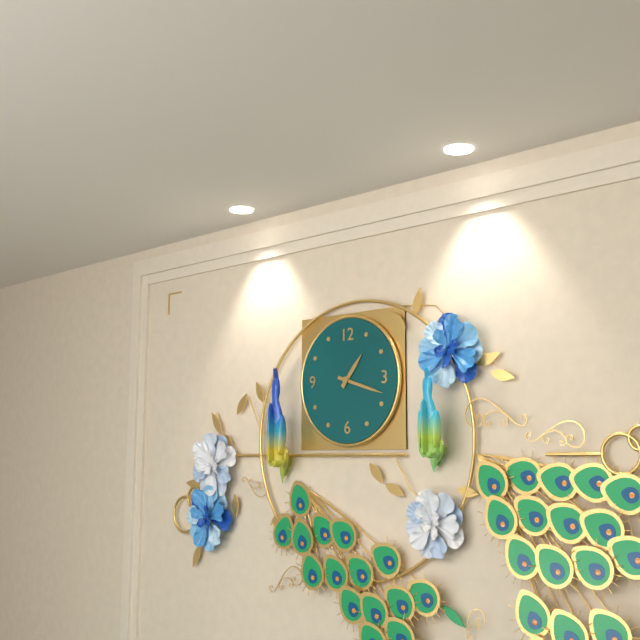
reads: 1,18
